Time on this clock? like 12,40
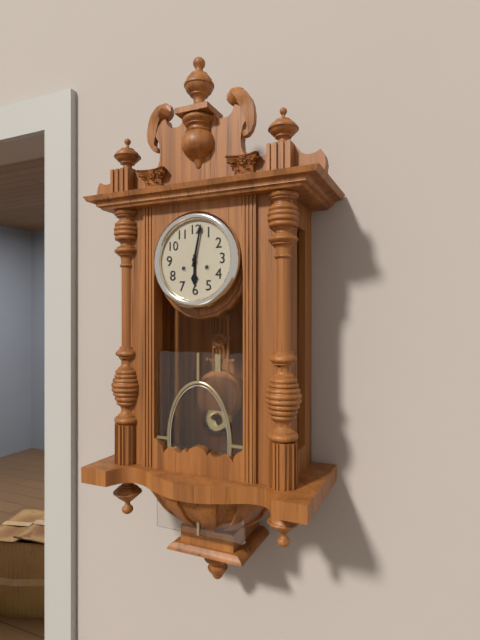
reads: 6,02
